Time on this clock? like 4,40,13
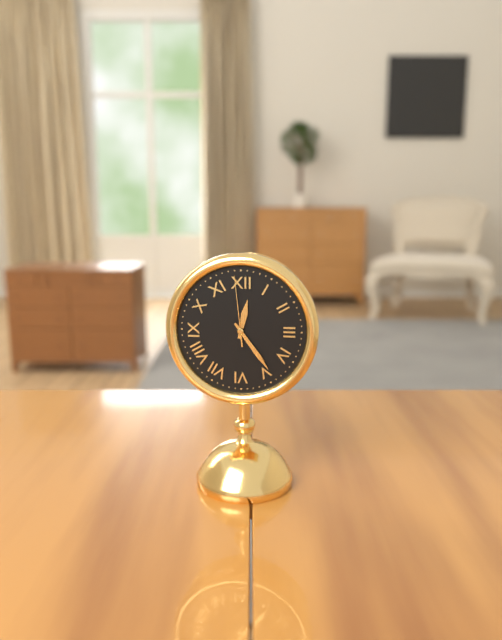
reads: 12,24,59
